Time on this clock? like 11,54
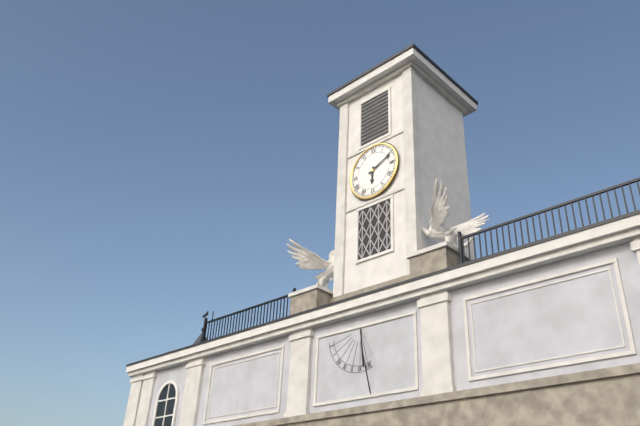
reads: 6,11
